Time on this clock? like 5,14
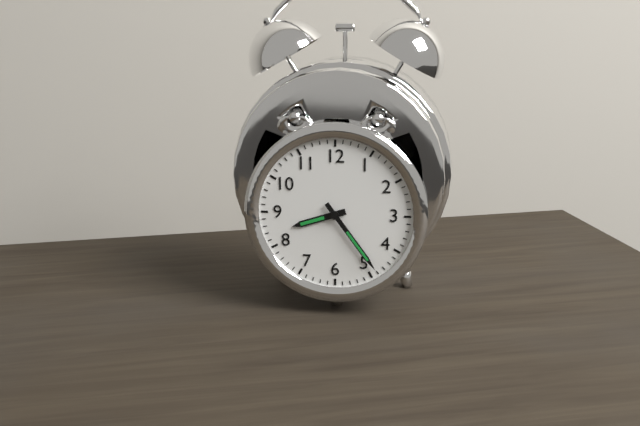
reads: 8,24
